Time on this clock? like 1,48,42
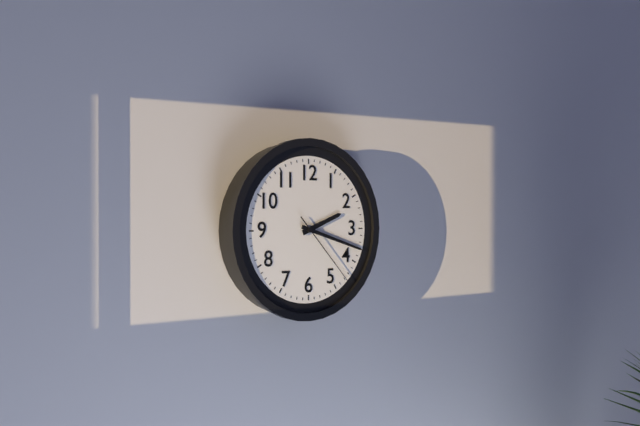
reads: 2,18,23
